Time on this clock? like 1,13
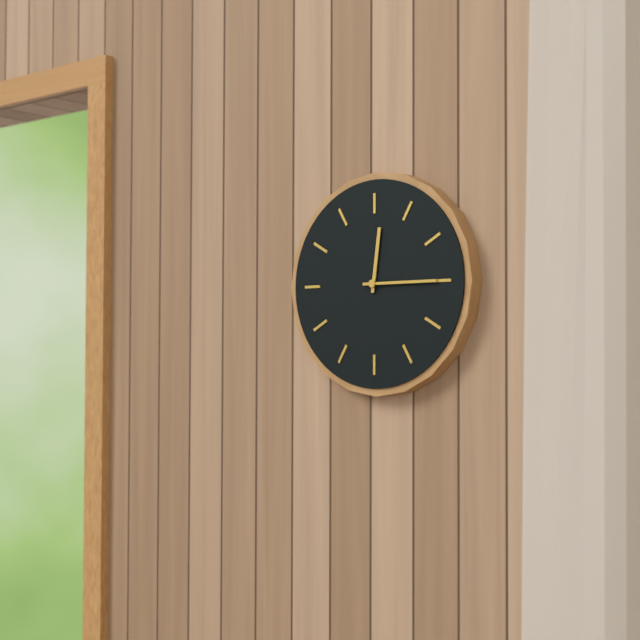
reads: 12,15
